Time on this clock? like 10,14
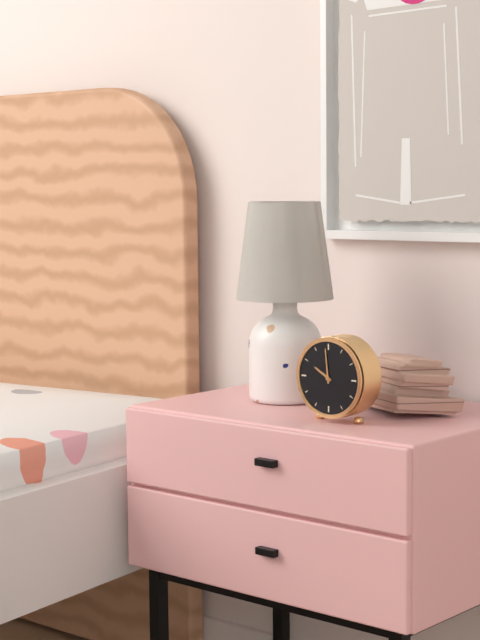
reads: 9,59
